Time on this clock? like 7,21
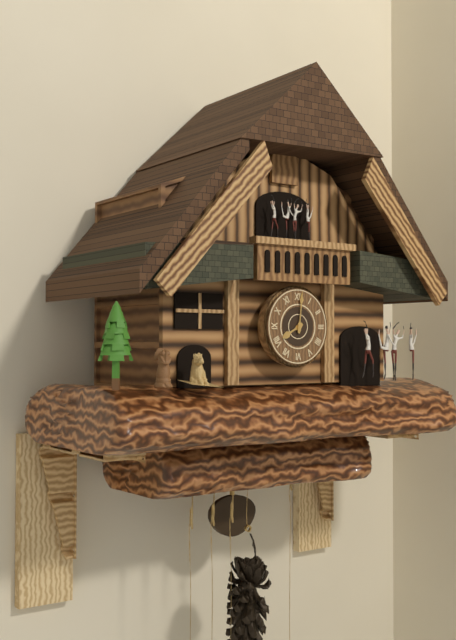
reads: 8,01
